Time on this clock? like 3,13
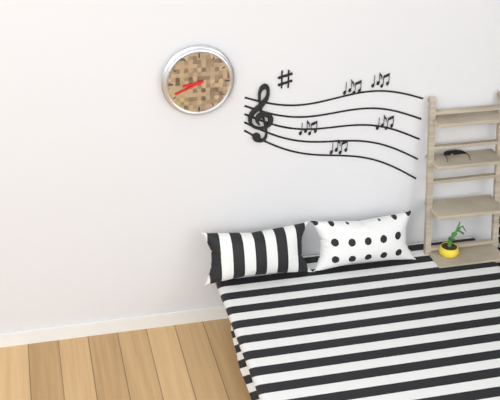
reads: 8,41
